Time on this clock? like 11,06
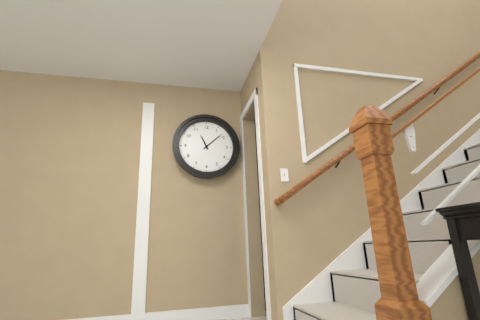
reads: 11,08
